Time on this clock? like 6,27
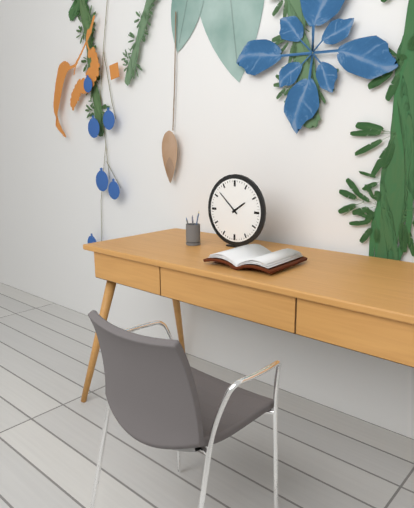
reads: 1,52
